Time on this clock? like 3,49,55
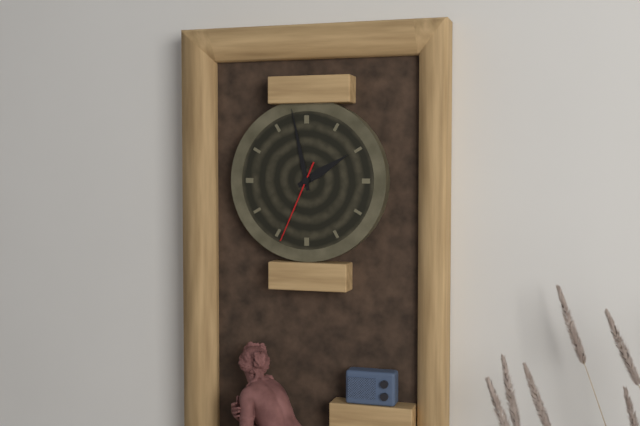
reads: 1,58,34
